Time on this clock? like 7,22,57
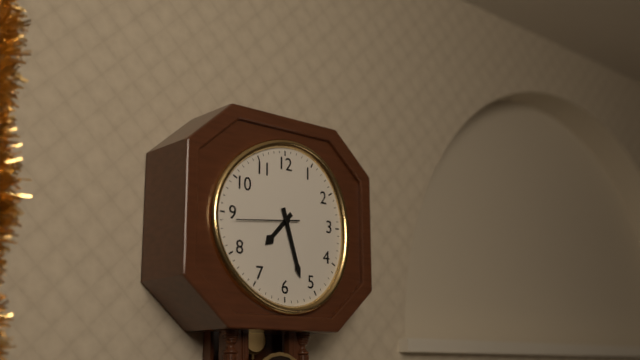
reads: 7,27,44
